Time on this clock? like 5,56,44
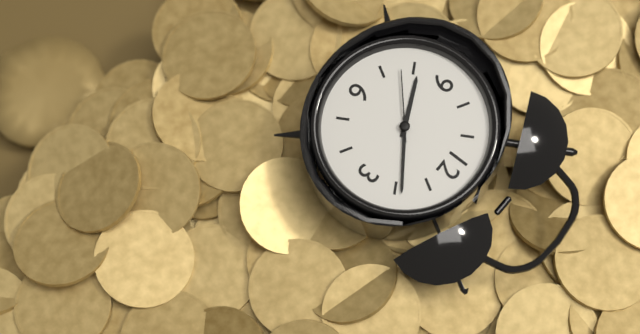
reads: 8,09,38
